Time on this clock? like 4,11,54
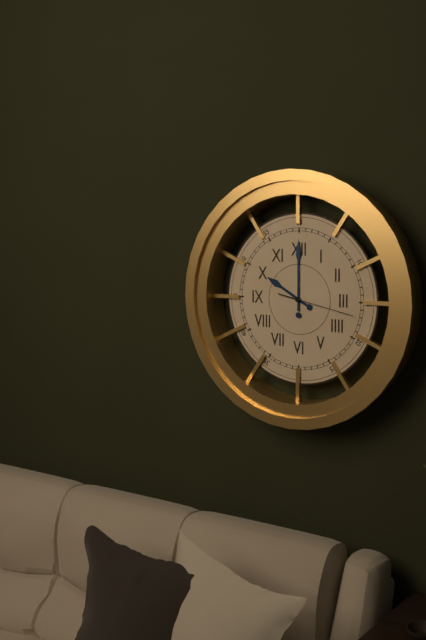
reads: 10,00,17
